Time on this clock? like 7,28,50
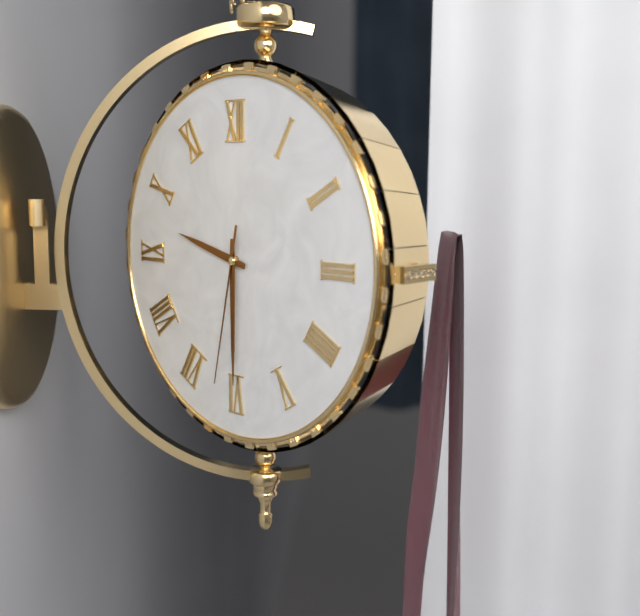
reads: 9,30,32
